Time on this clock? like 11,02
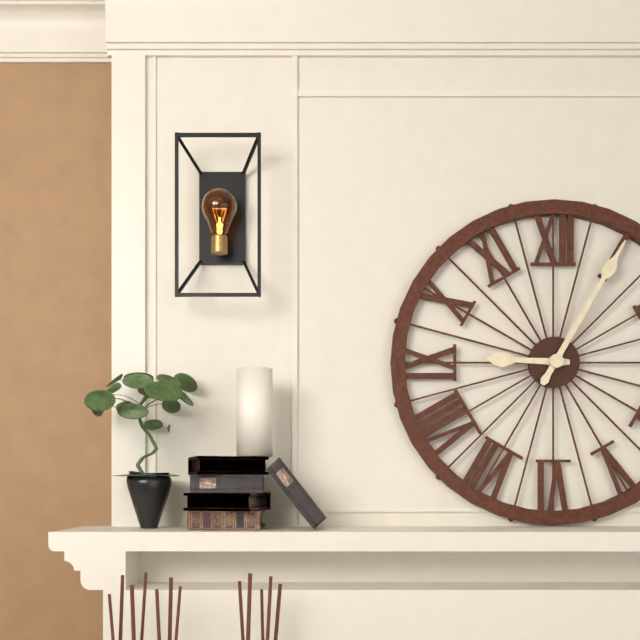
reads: 9,05
